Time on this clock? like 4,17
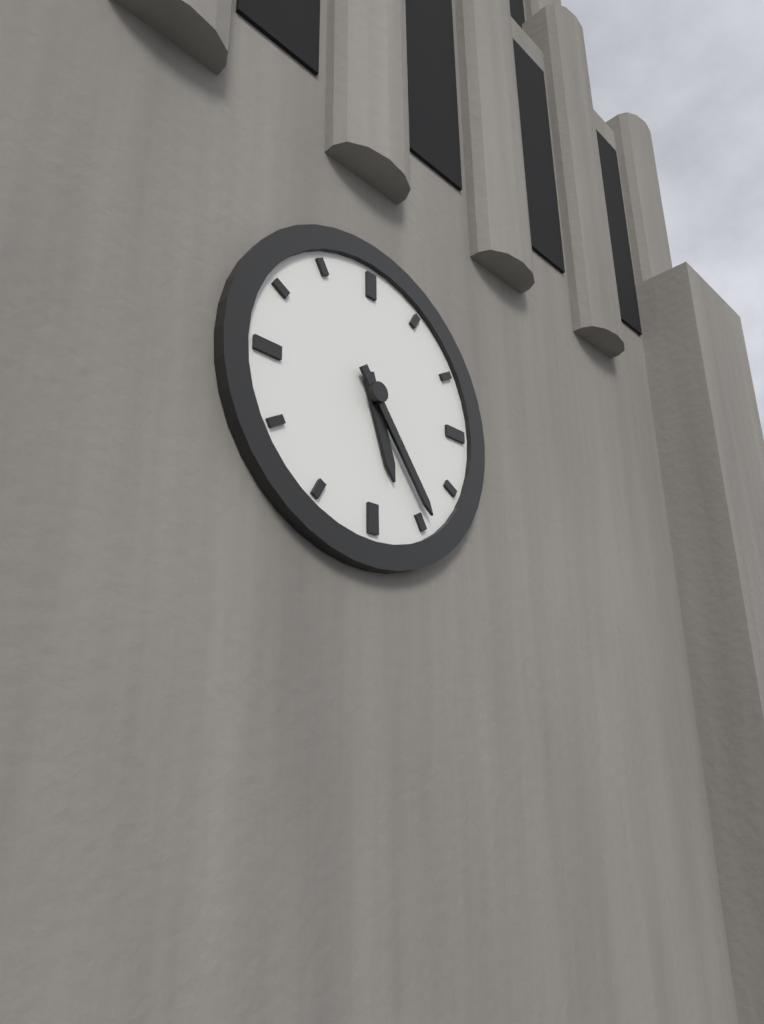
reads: 5,24
